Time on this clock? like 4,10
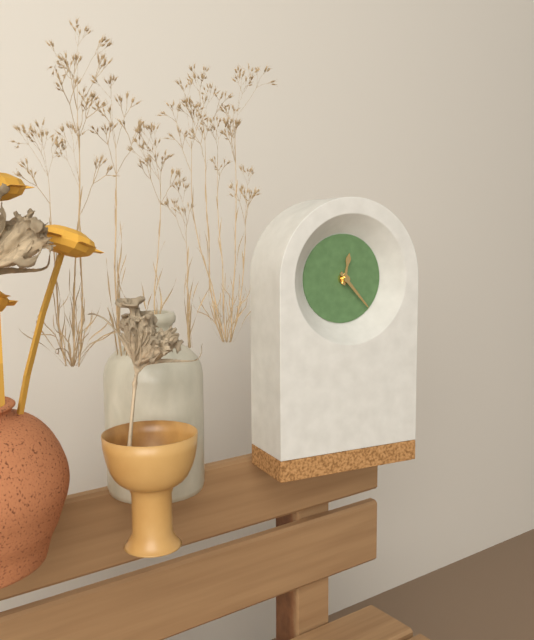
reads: 12,23
